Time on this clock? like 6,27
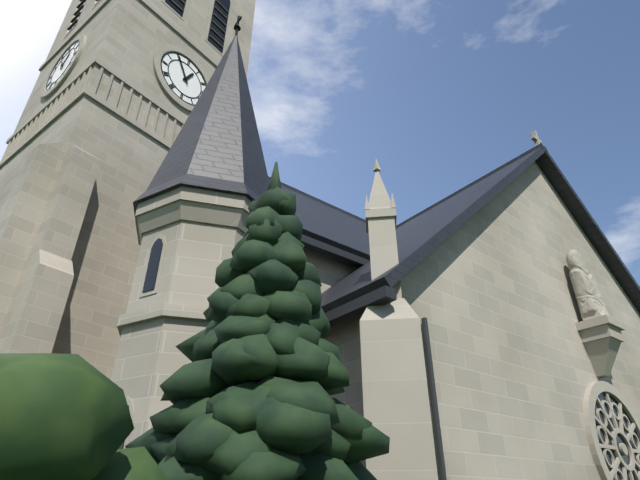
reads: 12,55
